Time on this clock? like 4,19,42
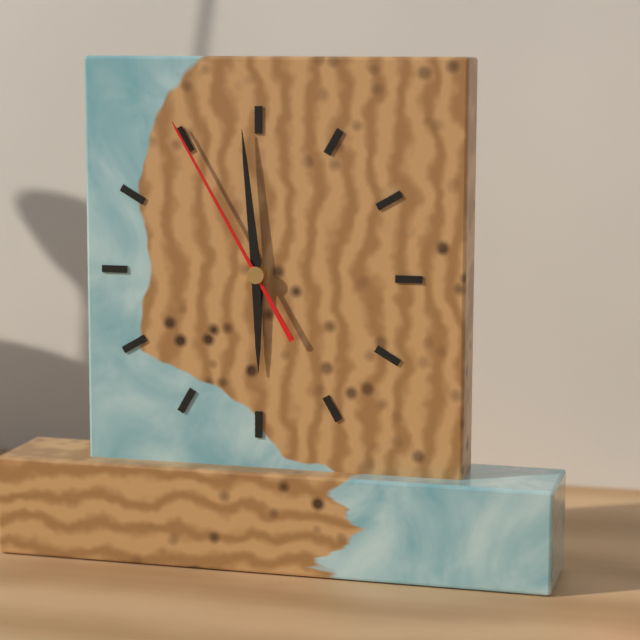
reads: 5,59,55
